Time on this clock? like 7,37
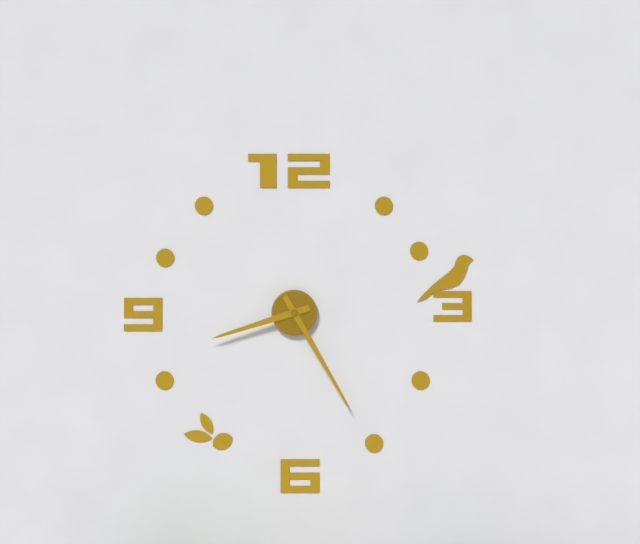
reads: 8,25
